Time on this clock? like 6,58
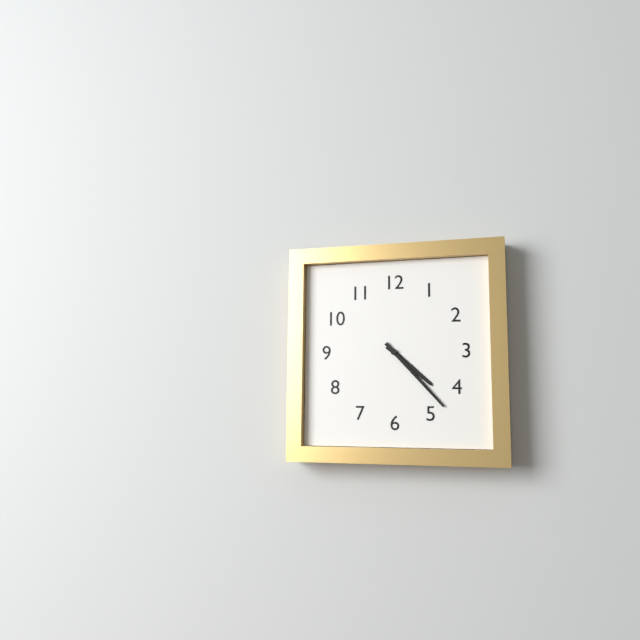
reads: 4,23
